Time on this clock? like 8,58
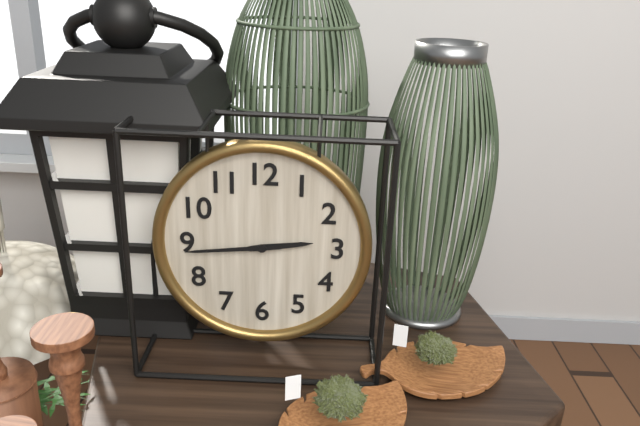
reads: 2,44
